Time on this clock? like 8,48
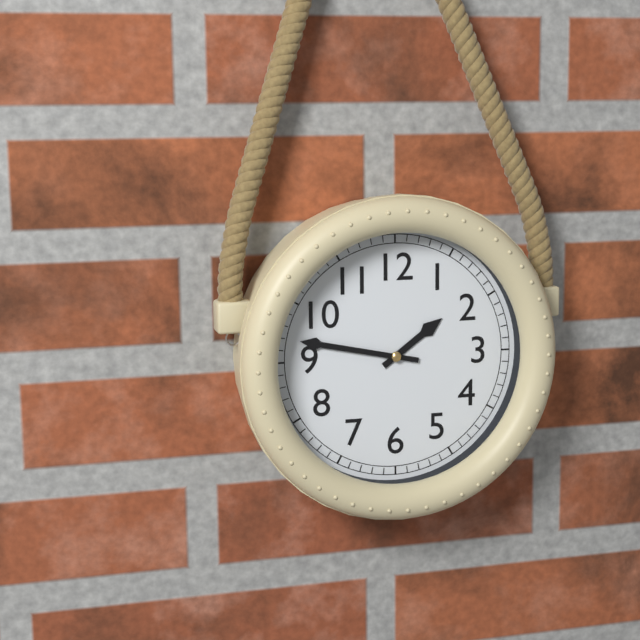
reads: 1,47
